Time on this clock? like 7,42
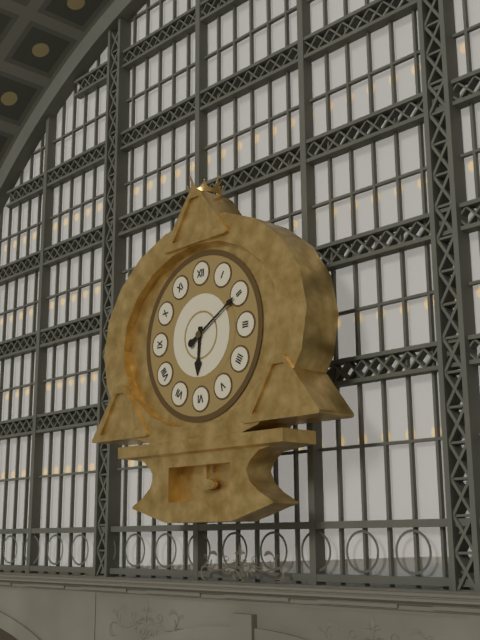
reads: 6,10
